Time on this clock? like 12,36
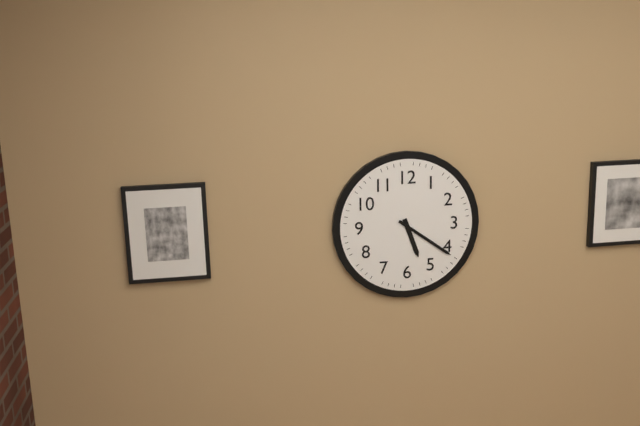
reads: 5,21
